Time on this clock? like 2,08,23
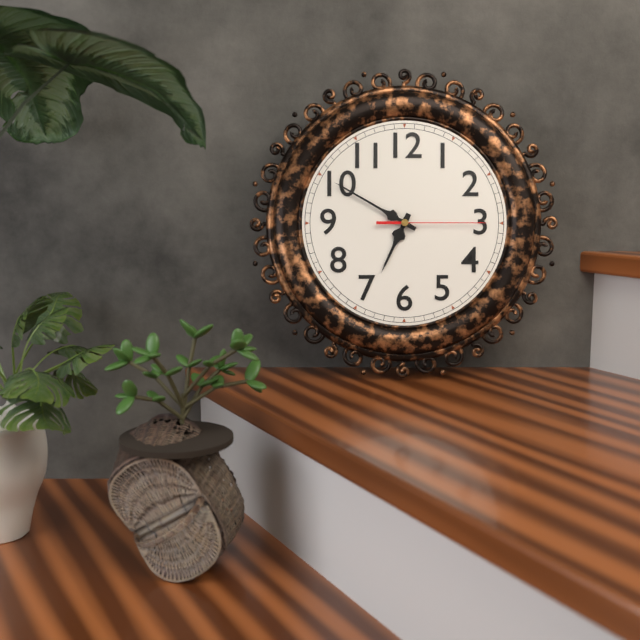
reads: 6,50,15
